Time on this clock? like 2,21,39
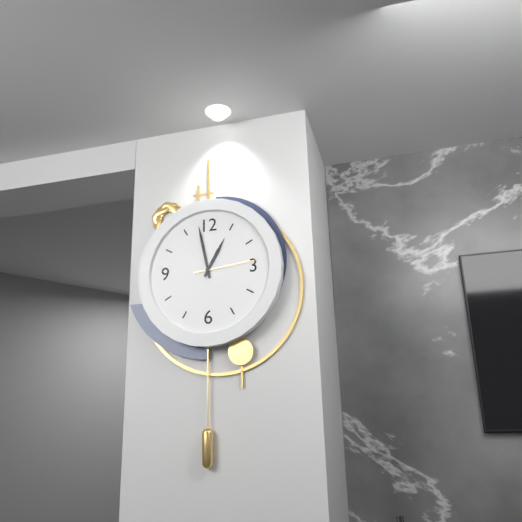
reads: 12,58,14
